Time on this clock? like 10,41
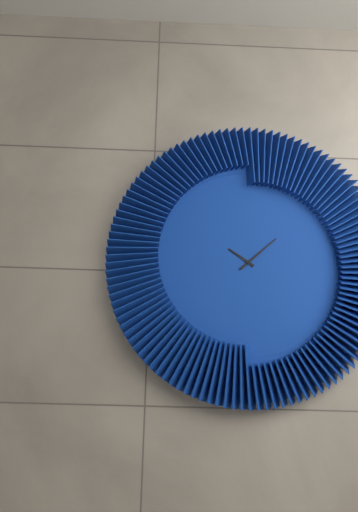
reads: 10,08
